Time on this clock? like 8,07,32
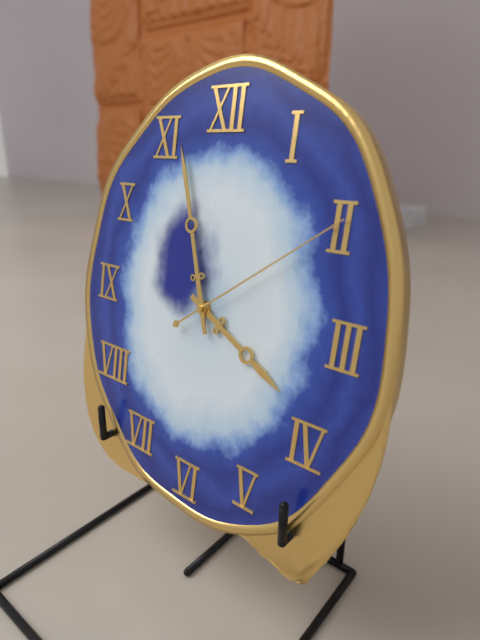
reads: 3,57,09
